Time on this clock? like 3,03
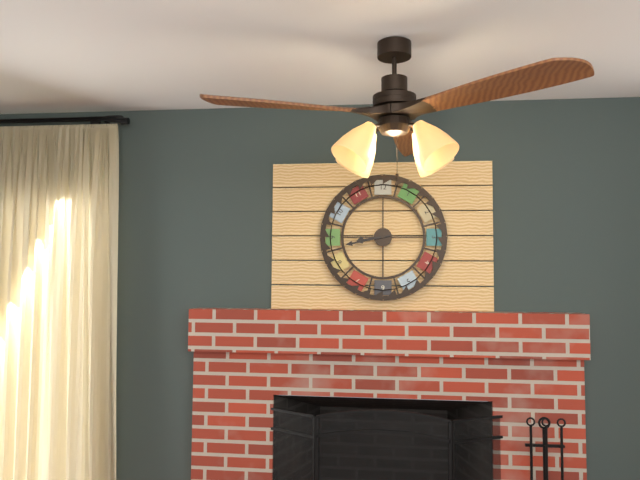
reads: 8,43
